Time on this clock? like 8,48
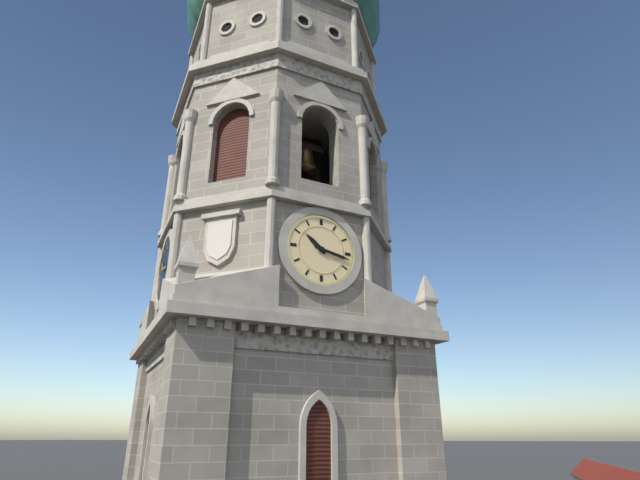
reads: 10,17
